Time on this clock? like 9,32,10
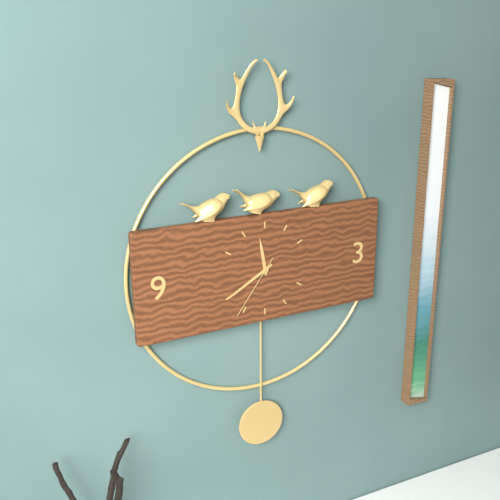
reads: 11,40,36
